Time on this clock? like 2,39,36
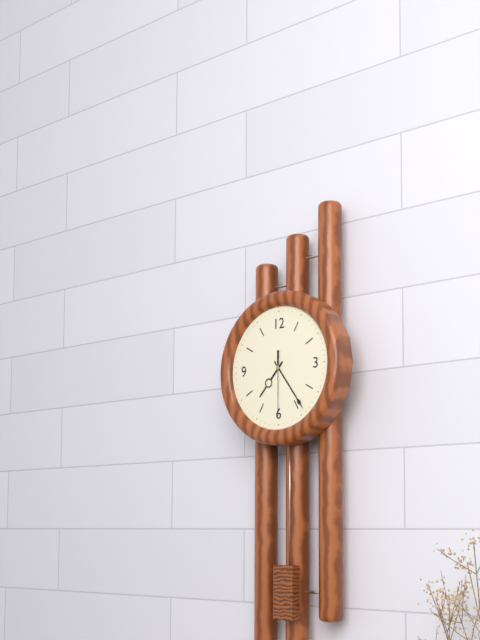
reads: 7,24,30
